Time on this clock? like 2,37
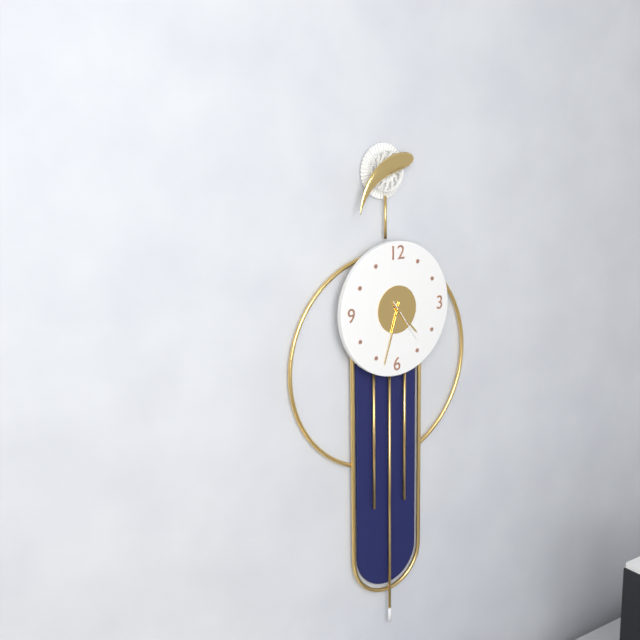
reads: 4,33
